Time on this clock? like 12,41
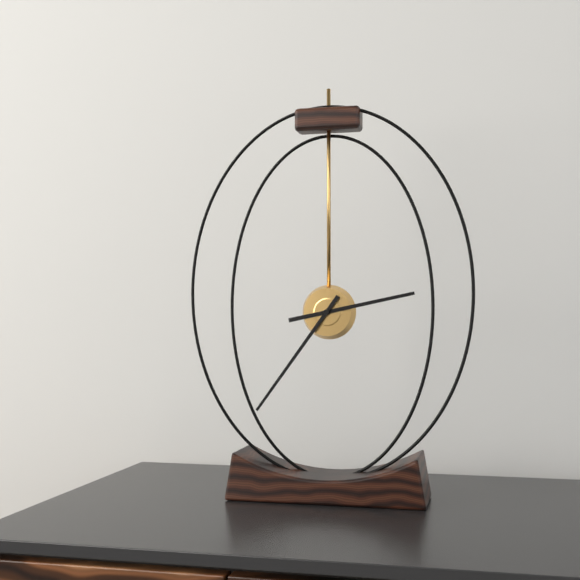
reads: 2,36
